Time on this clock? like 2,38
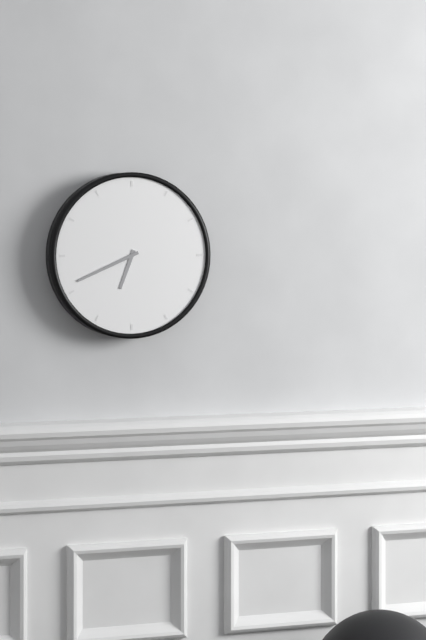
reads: 6,41
